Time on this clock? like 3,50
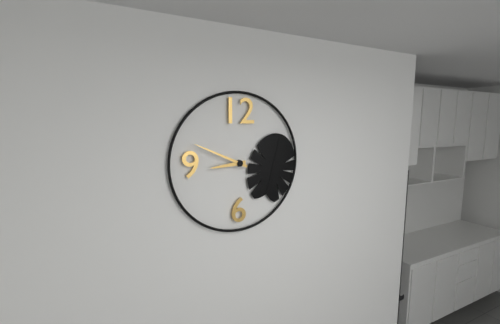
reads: 8,49
